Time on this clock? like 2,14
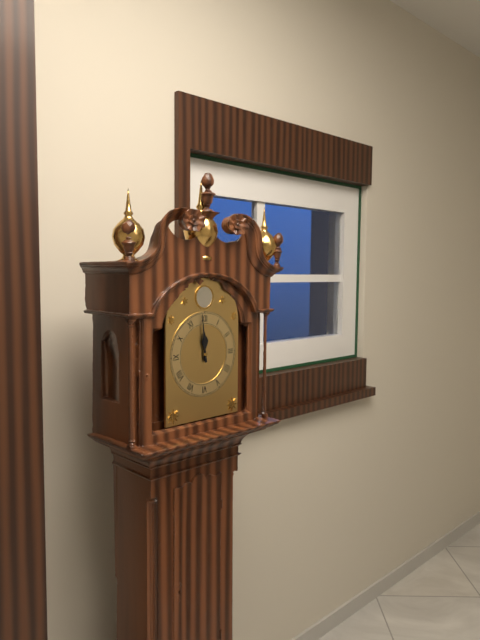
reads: 11,59
